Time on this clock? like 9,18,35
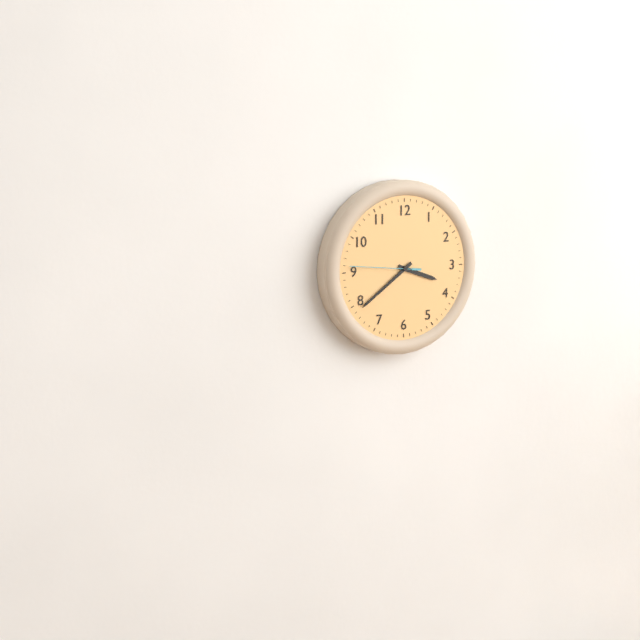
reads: 3,39,46
